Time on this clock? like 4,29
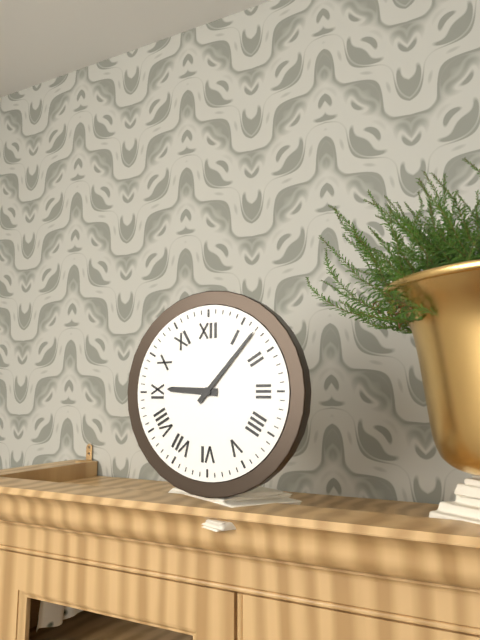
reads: 9,07
